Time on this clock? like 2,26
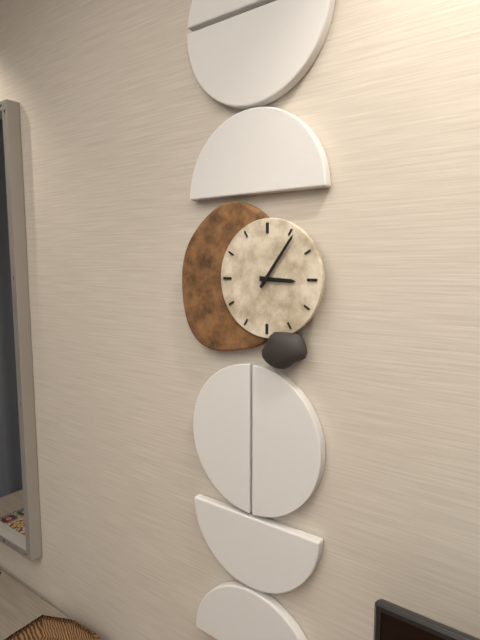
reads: 3,06
